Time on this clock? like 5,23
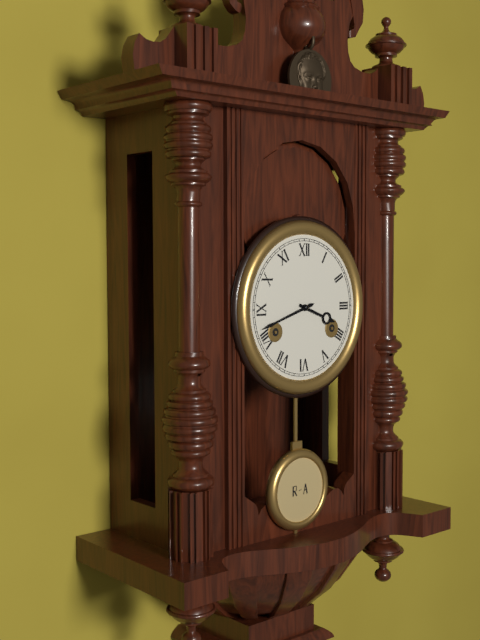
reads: 3,42
